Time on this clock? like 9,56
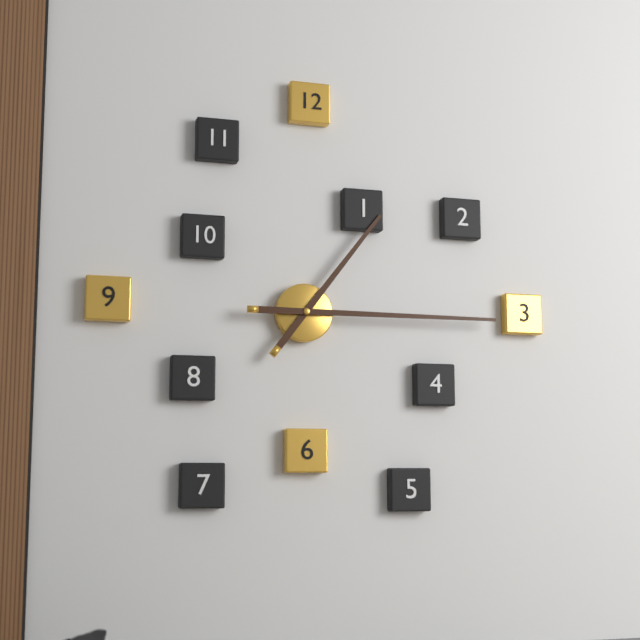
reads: 1,15
